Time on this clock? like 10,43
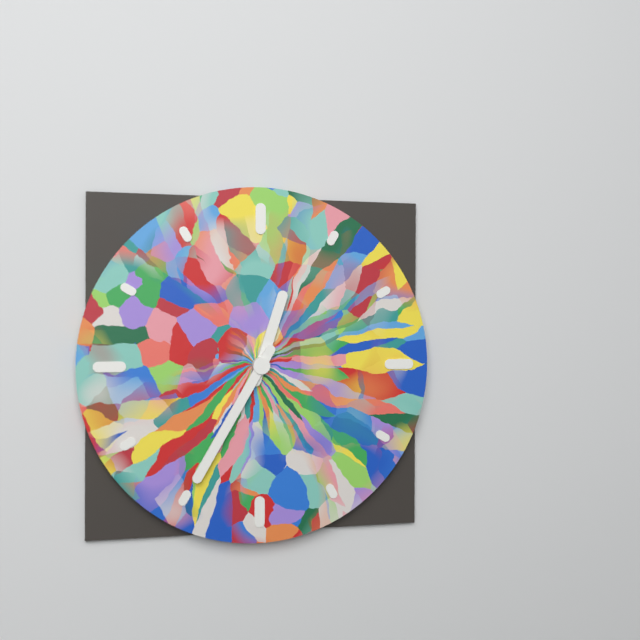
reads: 12,35
